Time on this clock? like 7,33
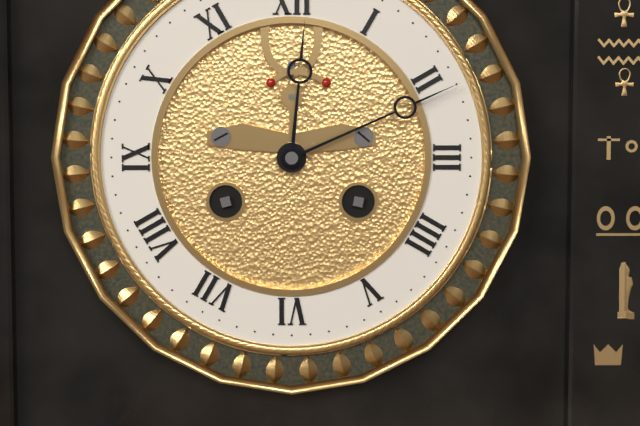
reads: 12,11
